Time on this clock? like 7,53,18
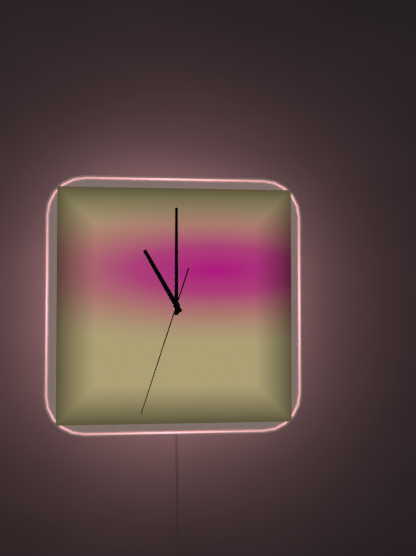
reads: 11,00,33
